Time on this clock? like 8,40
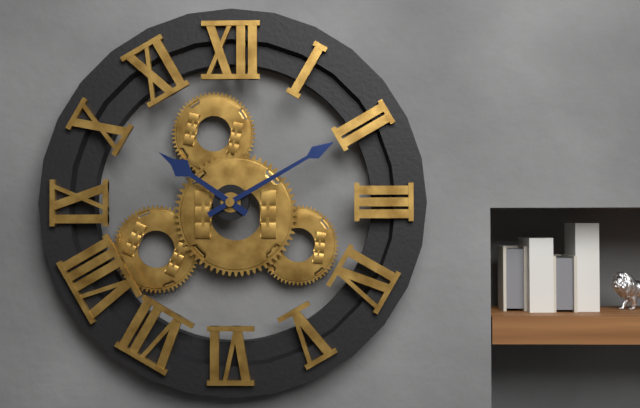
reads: 10,10
